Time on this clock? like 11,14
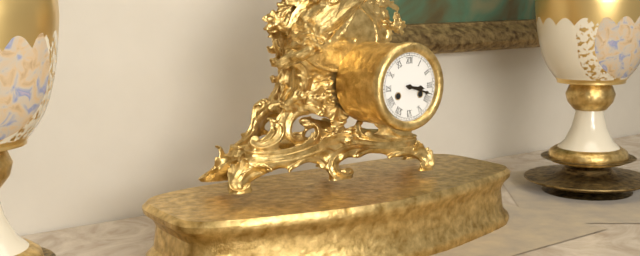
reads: 3,18
